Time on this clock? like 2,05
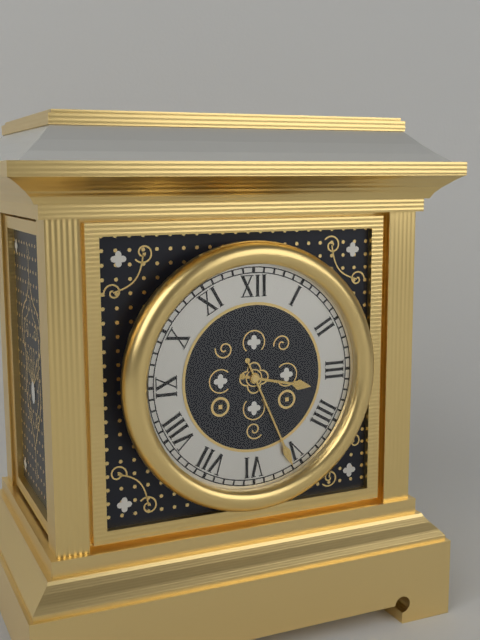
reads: 3,26
